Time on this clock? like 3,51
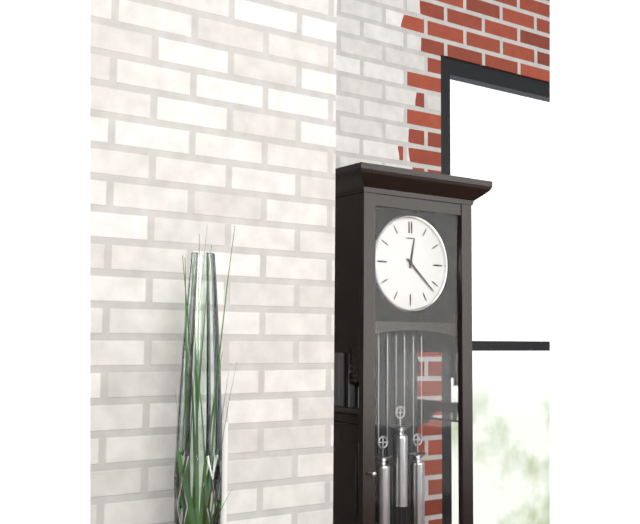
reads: 12,22
